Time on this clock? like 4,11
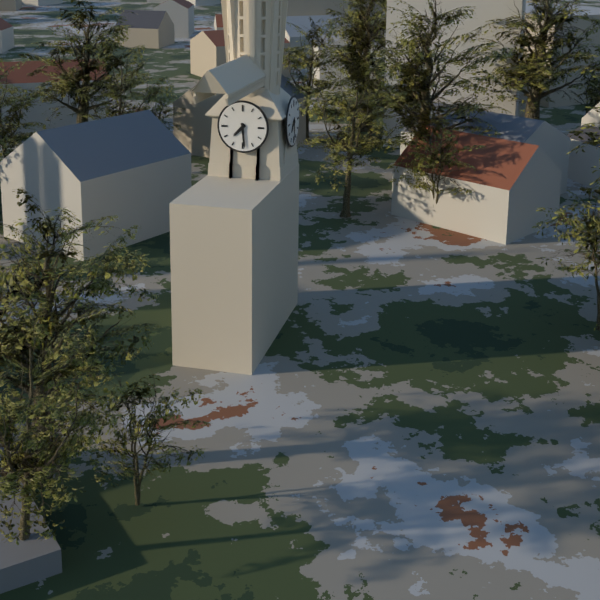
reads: 7,29
